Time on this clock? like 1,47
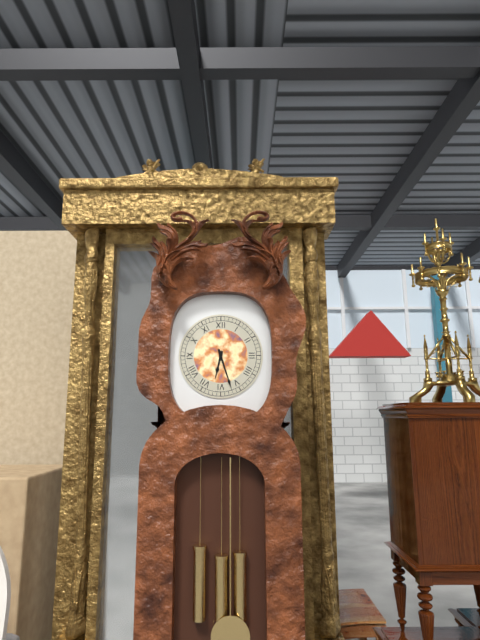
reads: 6,27
